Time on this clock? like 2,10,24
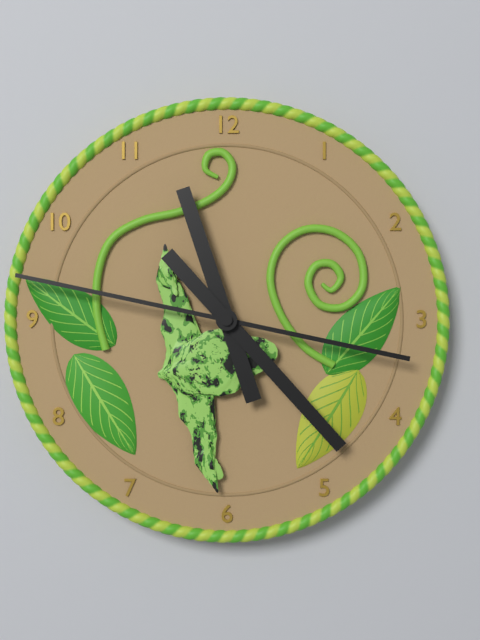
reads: 11,23,47
